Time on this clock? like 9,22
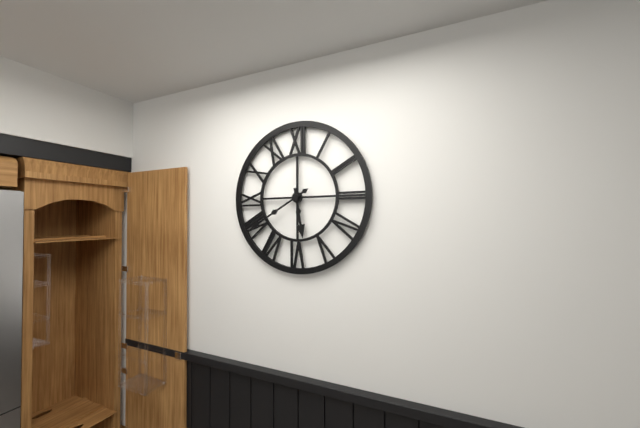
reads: 5,40
